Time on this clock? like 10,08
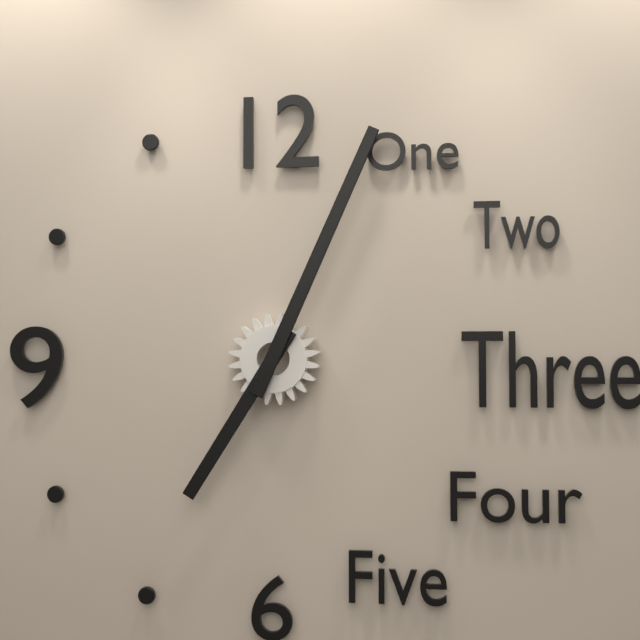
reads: 7,04
